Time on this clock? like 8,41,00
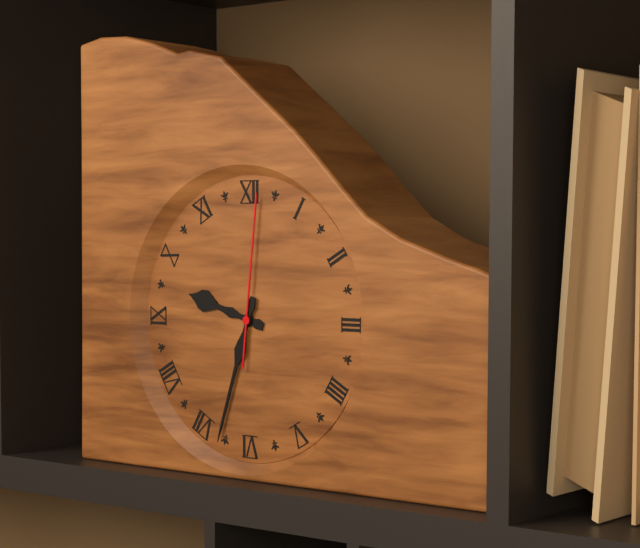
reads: 9,33,01
